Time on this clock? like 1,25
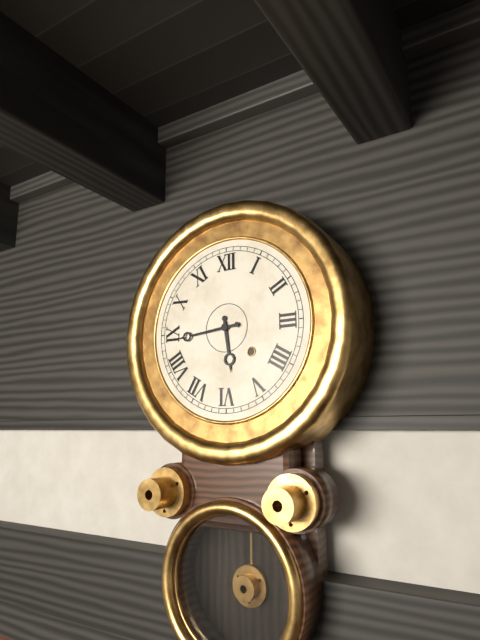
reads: 5,44
